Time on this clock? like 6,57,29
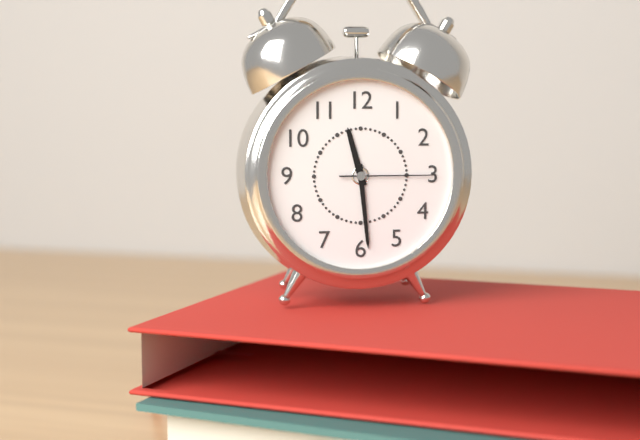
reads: 11,29,15
